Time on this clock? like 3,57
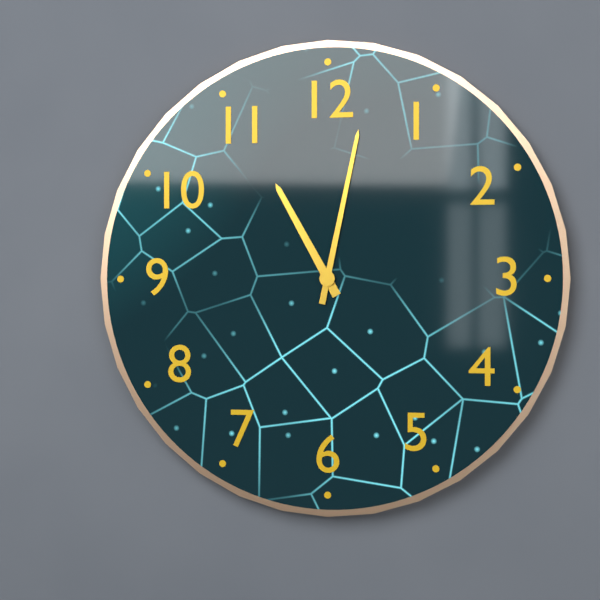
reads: 11,02
